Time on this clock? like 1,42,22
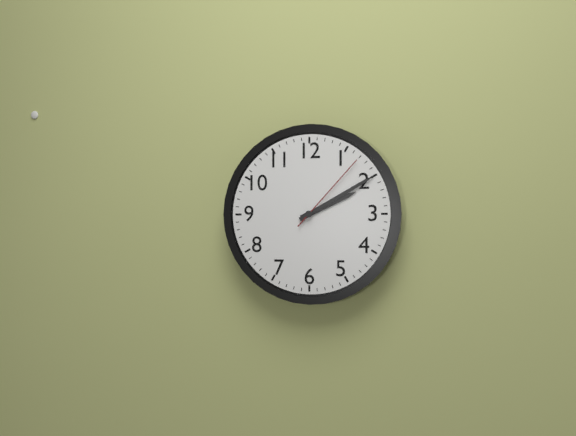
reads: 2,10,07
